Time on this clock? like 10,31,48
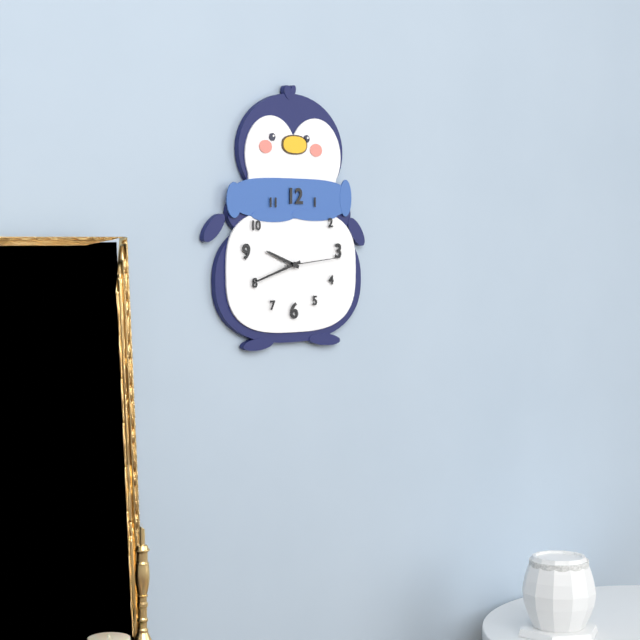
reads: 9,42,14
